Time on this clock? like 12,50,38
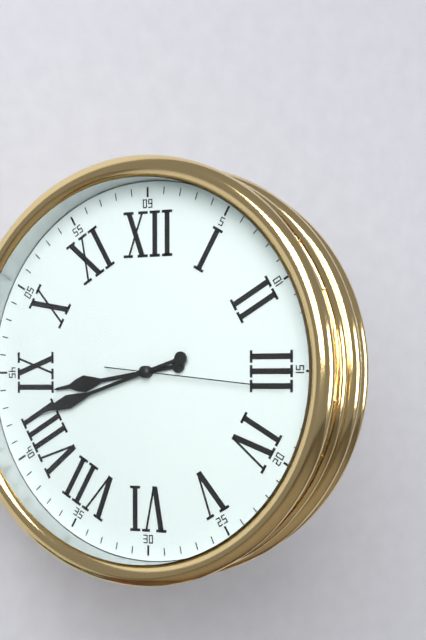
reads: 8,42,16
